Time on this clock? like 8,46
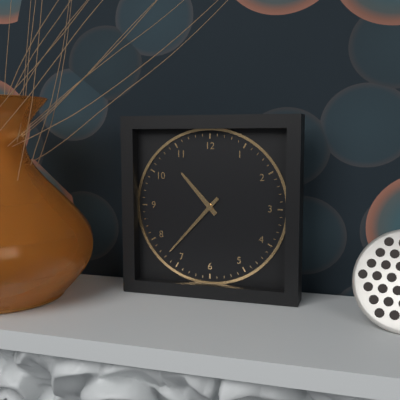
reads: 10,37
